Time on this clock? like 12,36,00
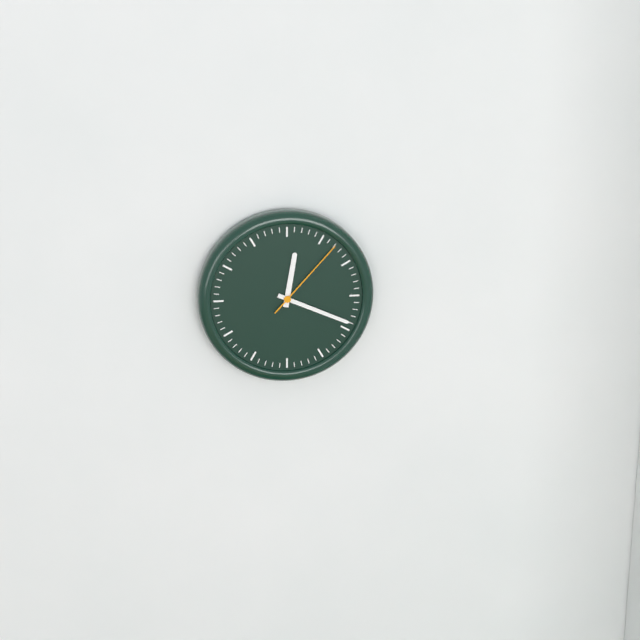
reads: 12,19,07
